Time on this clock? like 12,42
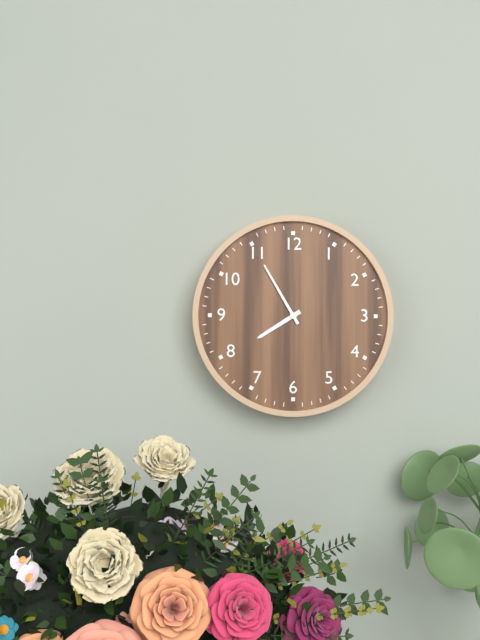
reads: 7,55
